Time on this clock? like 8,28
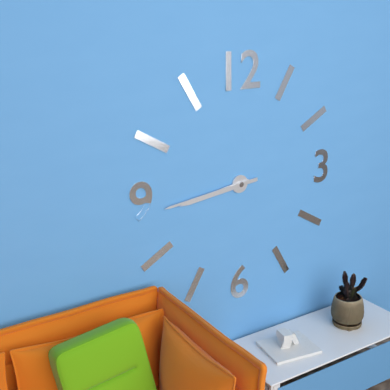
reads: 8,44
